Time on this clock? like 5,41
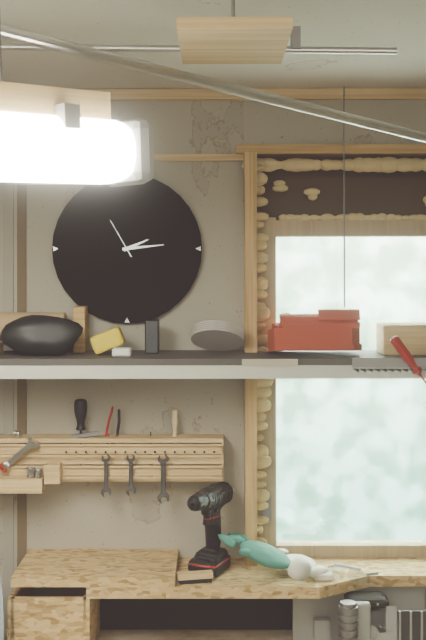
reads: 2,14
